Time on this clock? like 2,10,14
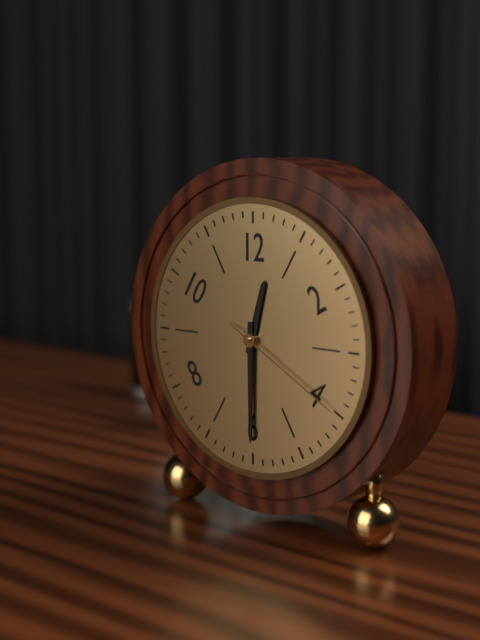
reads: 12,30,20
